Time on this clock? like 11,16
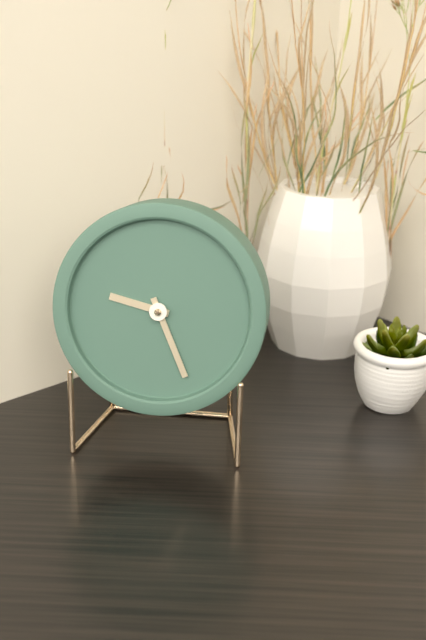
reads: 9,26
